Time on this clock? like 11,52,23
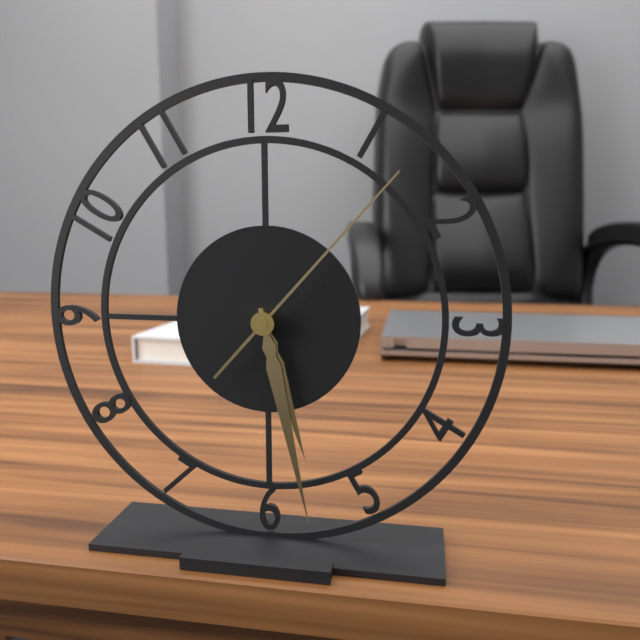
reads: 5,28,07
